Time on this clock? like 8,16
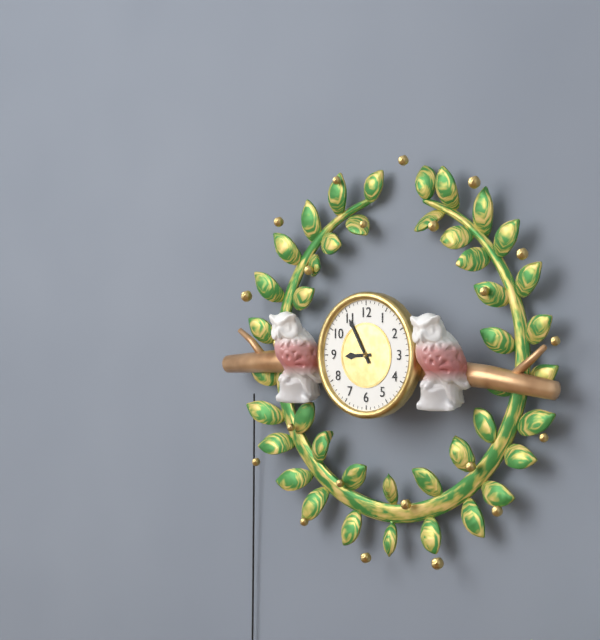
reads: 8,55
